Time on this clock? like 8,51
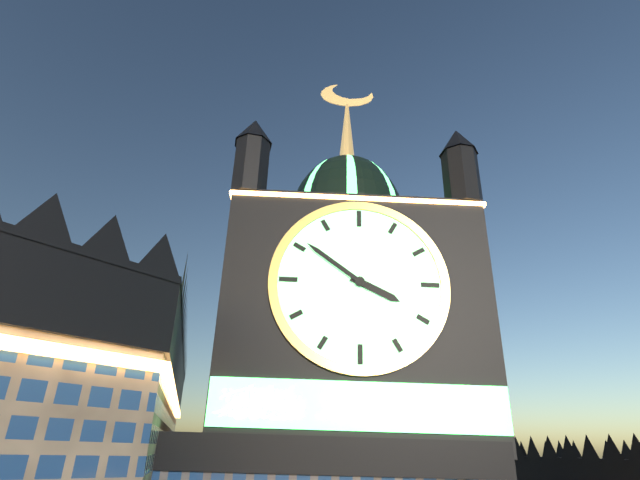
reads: 3,51
